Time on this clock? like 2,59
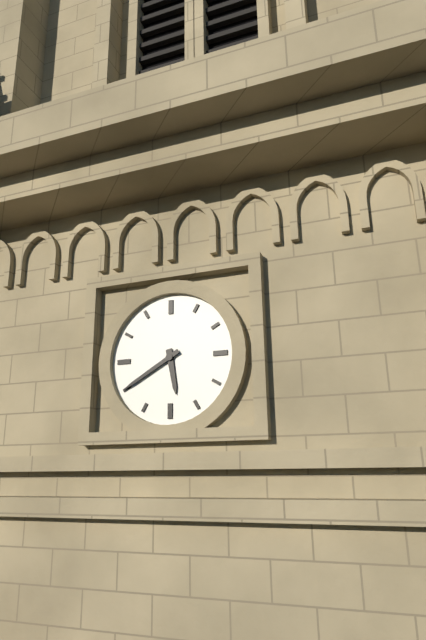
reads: 5,40
